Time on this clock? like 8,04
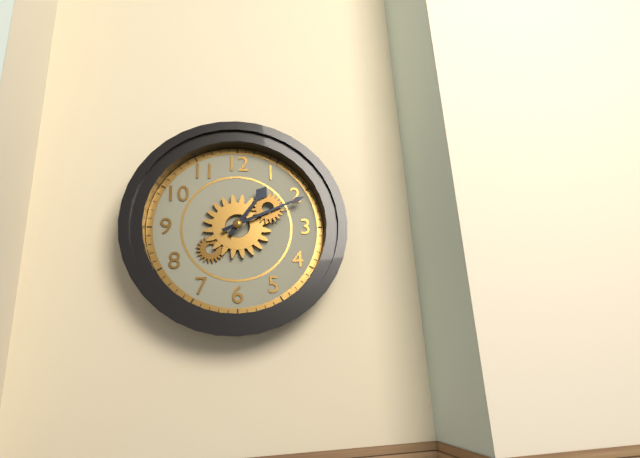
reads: 1,11
